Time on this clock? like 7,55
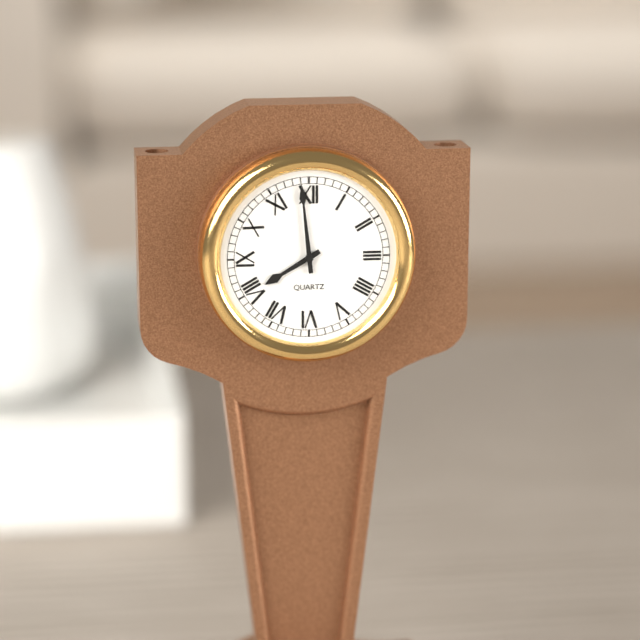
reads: 7,59
